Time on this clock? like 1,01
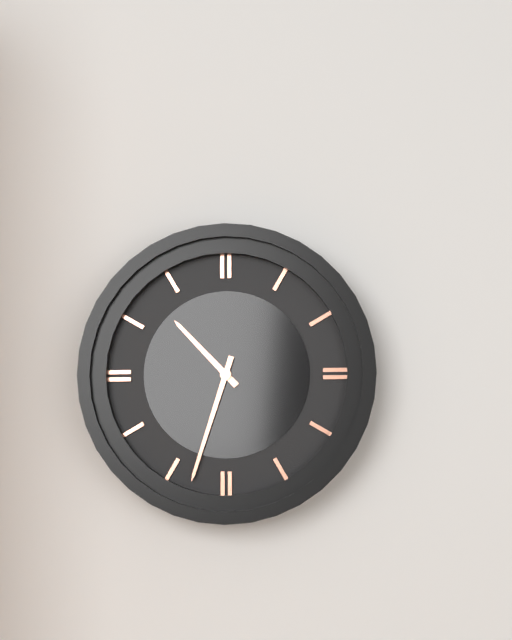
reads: 10,33
